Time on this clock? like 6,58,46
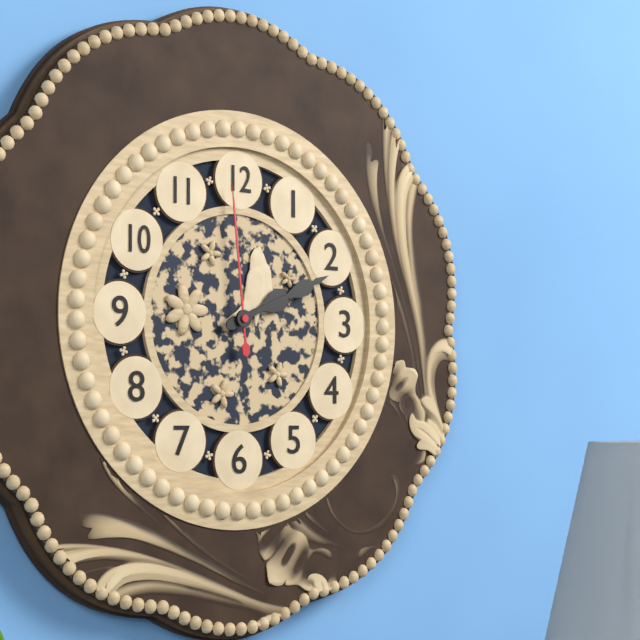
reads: 2,11,59
